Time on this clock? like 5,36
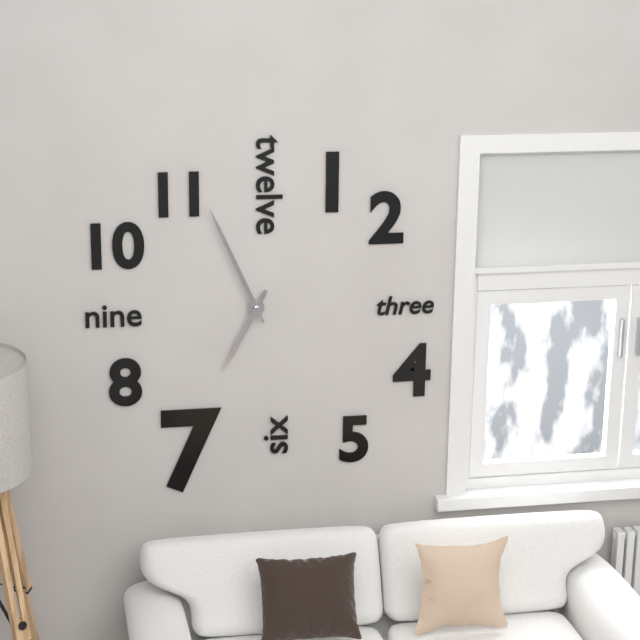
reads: 6,56
